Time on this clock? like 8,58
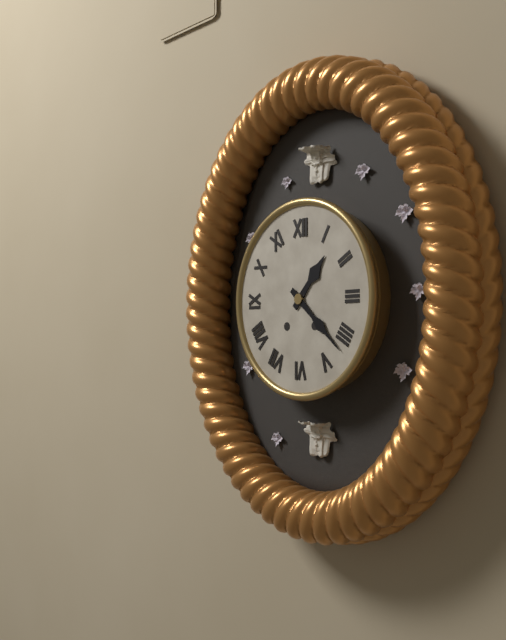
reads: 1,22
